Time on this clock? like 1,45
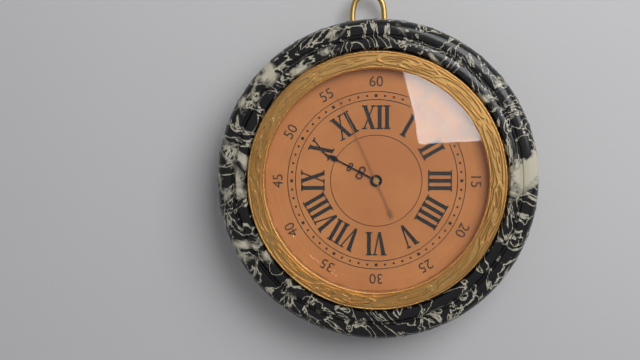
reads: 9,56
